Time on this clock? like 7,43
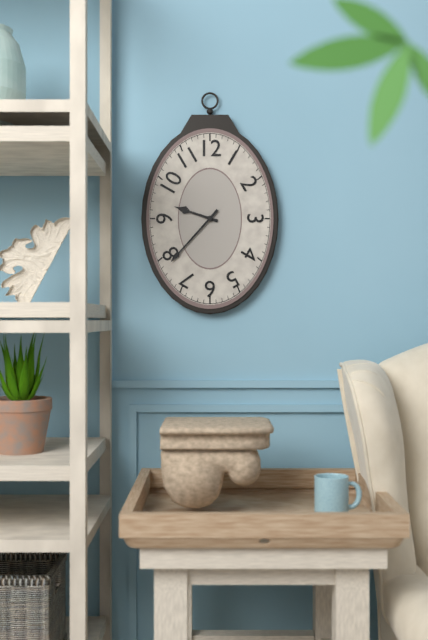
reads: 9,37
